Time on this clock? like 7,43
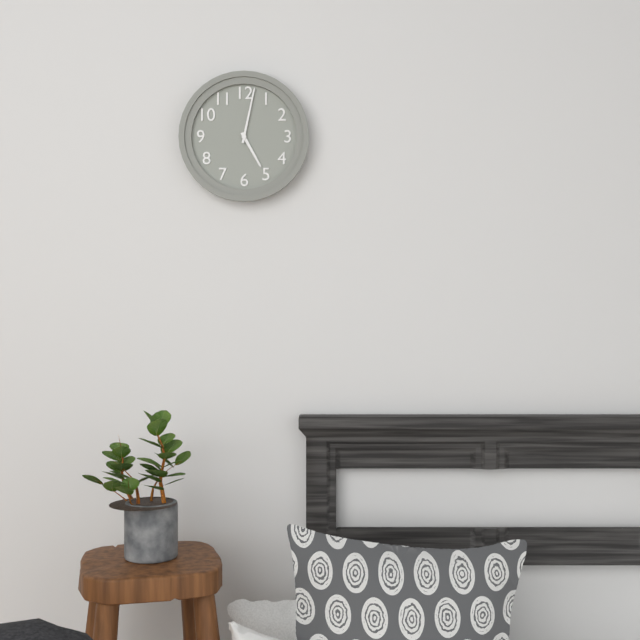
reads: 5,02
